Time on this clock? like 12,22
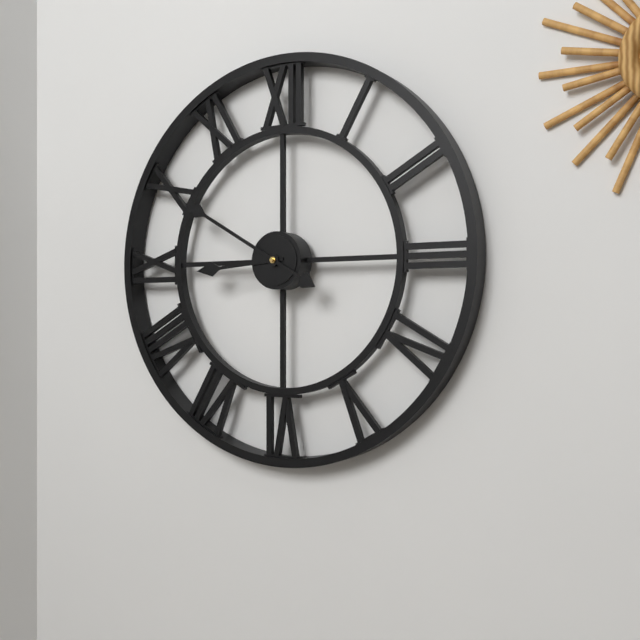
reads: 8,50
